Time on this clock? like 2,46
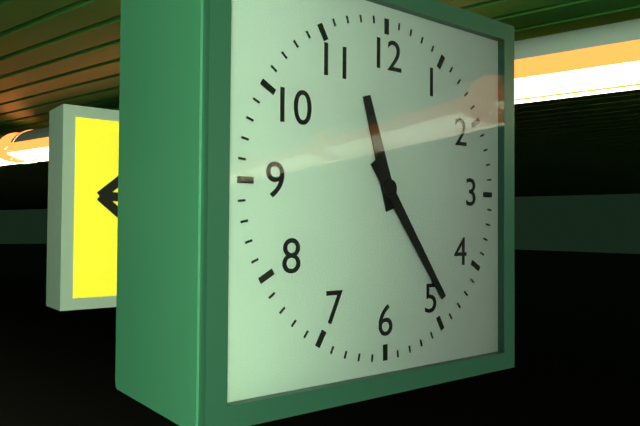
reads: 11,24
